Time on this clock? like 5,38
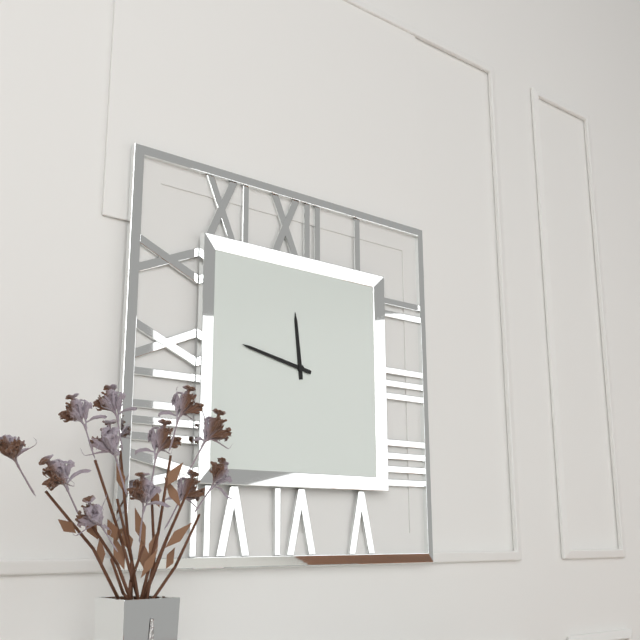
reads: 11,47
